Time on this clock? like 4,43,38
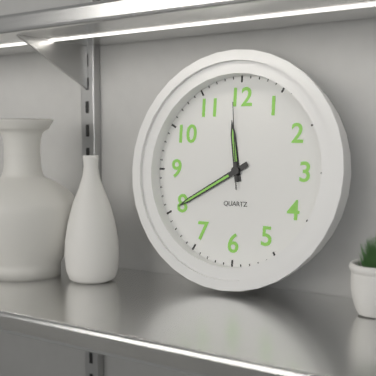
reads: 11,40,59
